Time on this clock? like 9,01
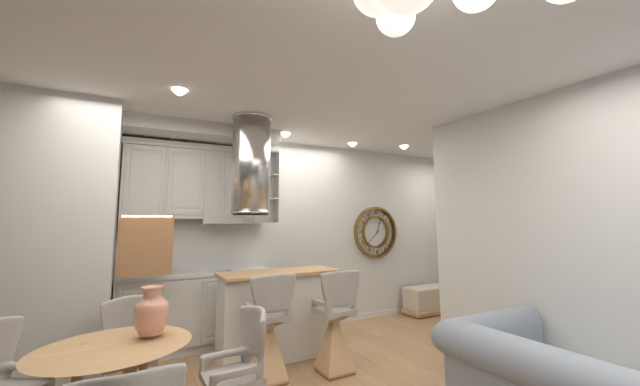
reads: 12,38
